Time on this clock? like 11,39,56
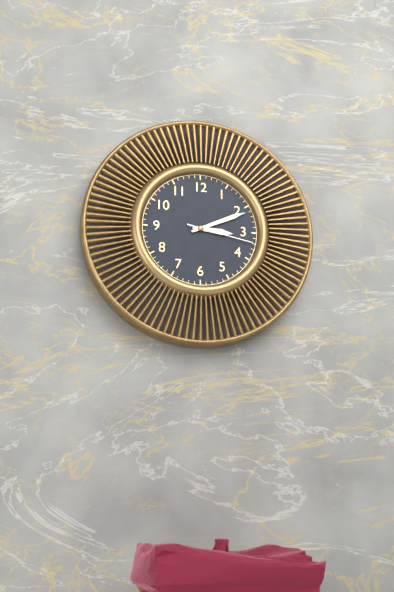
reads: 3,11,17
